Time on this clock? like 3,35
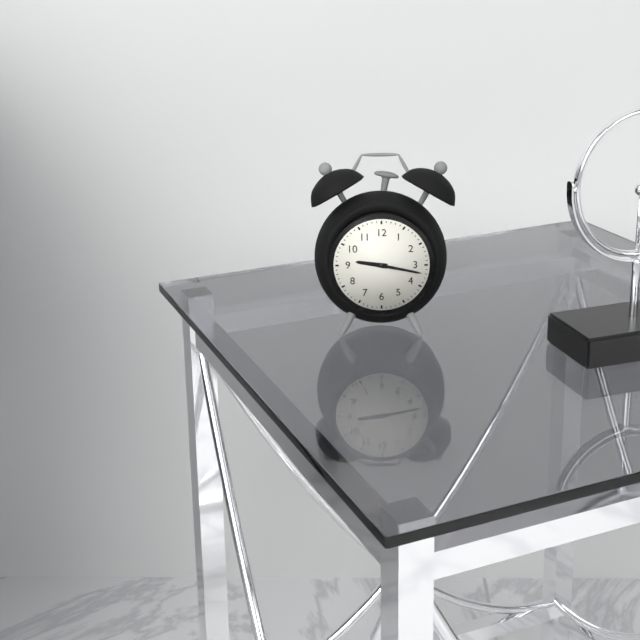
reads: 9,17
